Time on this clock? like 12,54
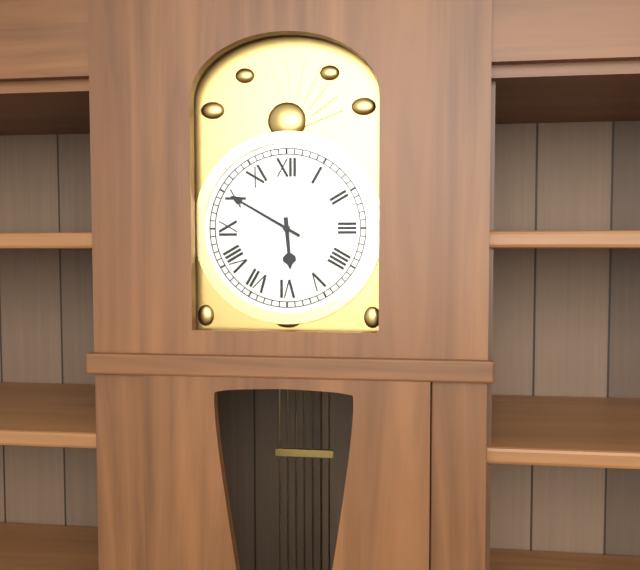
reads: 5,50
